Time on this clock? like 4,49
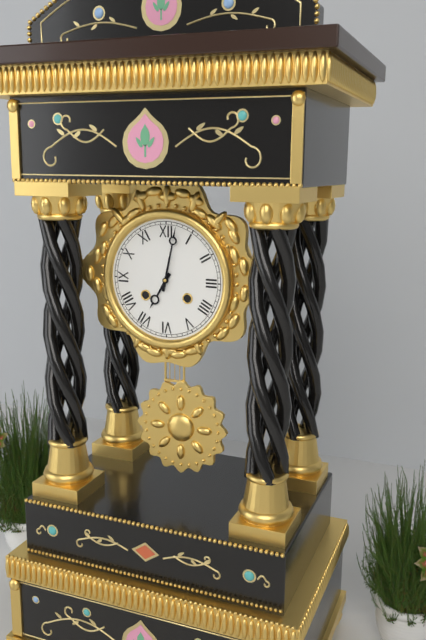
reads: 7,02
